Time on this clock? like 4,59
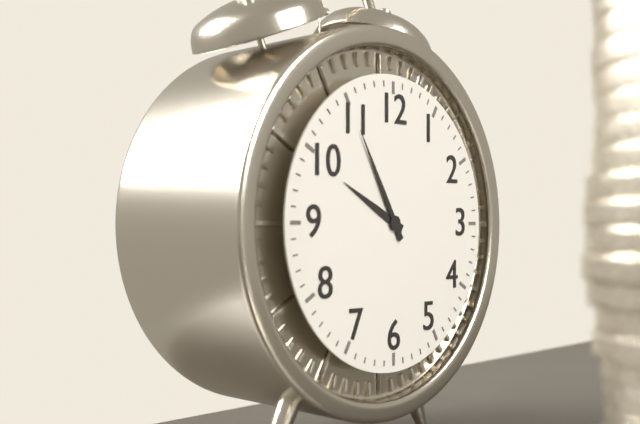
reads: 9,55
